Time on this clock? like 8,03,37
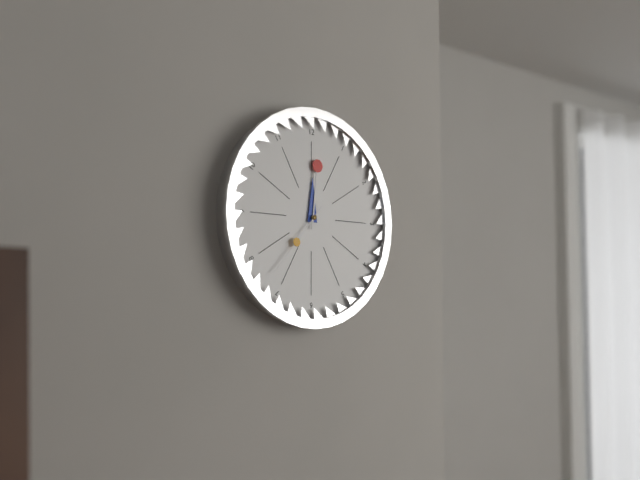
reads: 12,01,37
